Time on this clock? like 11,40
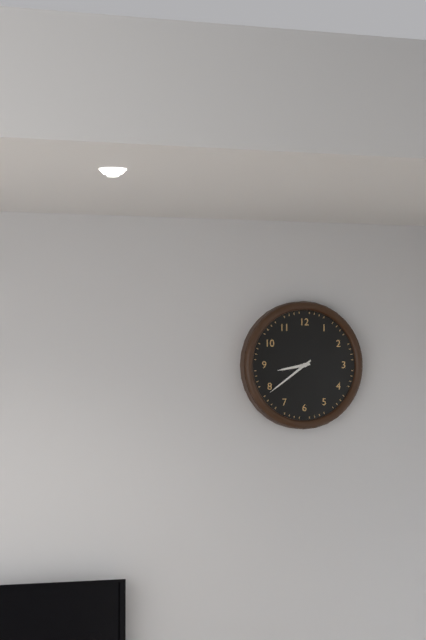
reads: 8,39
